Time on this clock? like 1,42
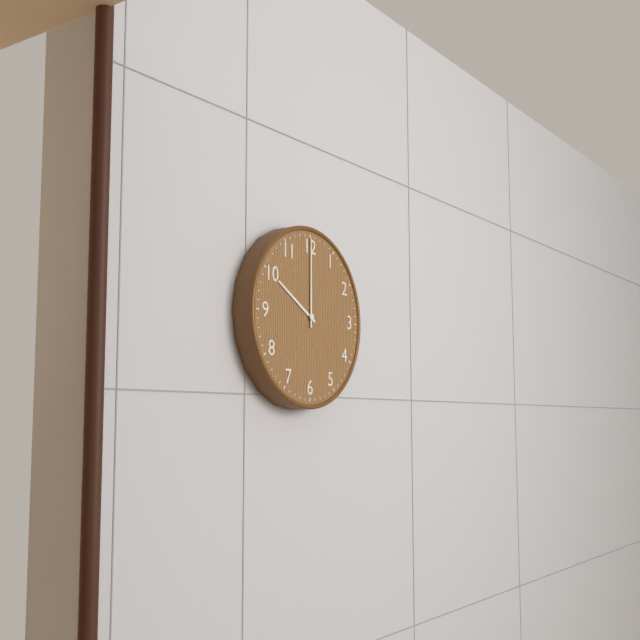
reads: 10,00
